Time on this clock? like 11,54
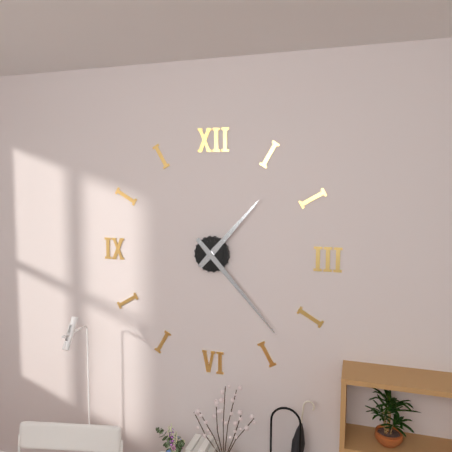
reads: 1,23
